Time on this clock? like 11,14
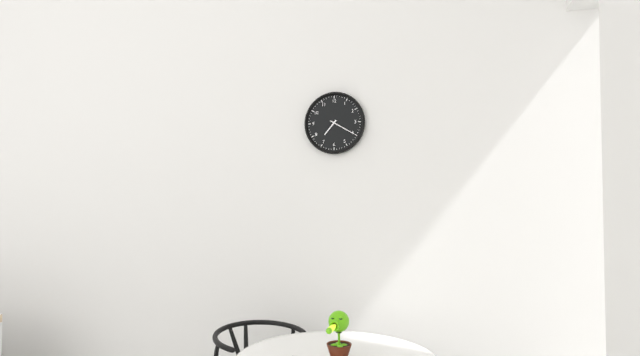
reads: 7,20
